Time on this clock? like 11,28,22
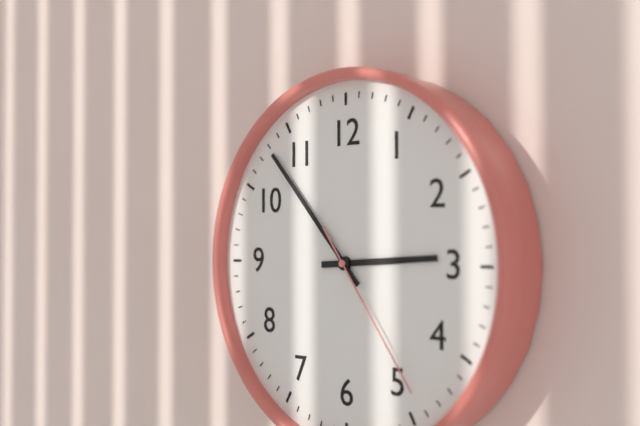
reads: 2,53,24
